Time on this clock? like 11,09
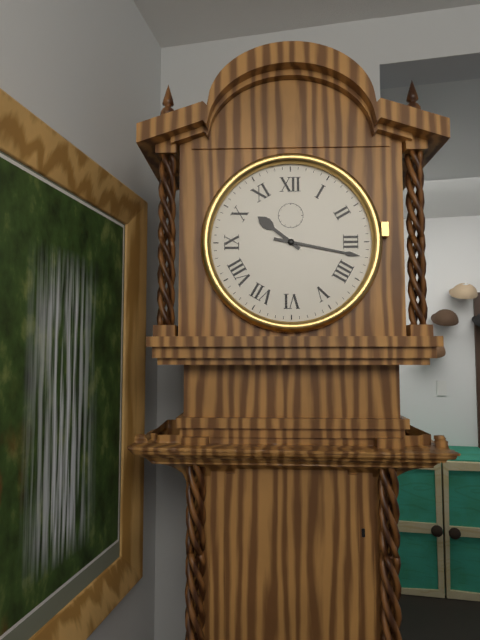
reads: 10,17
